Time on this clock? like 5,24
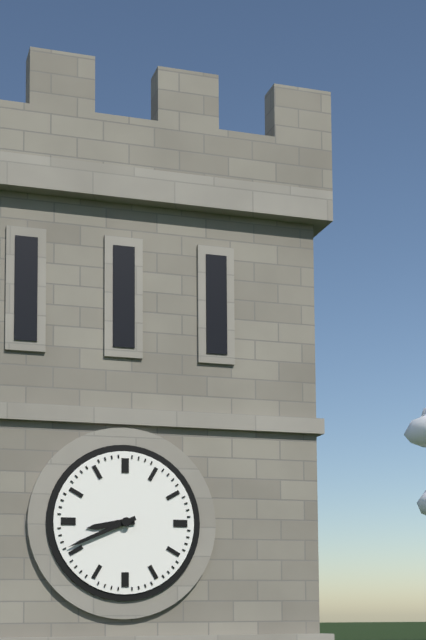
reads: 8,41
